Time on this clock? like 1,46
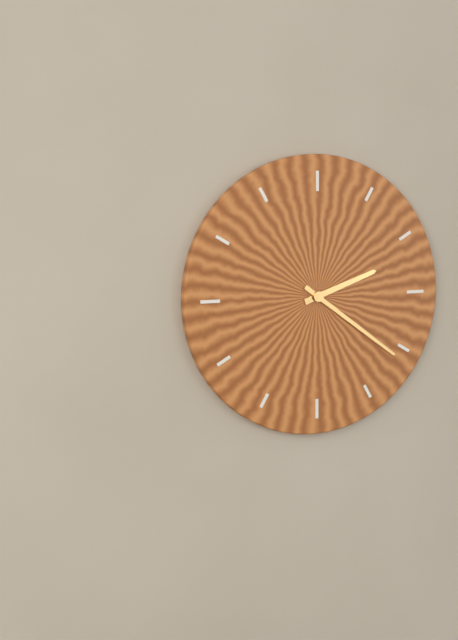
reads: 2,21
